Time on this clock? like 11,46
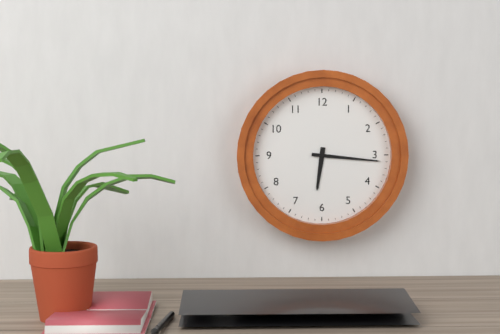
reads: 6,16
